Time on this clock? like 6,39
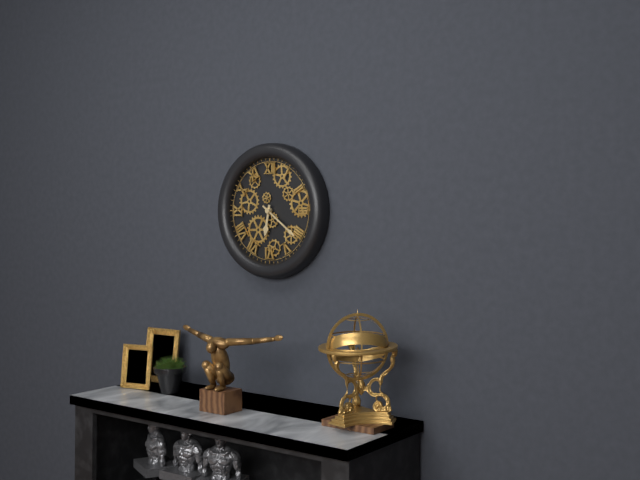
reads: 6,21
